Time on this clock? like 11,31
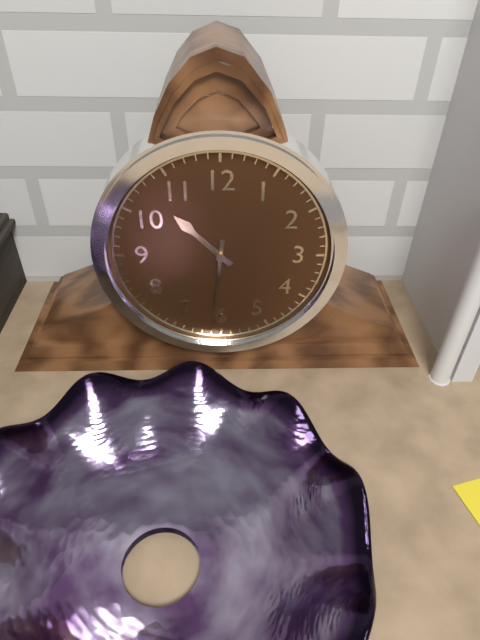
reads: 10,31
